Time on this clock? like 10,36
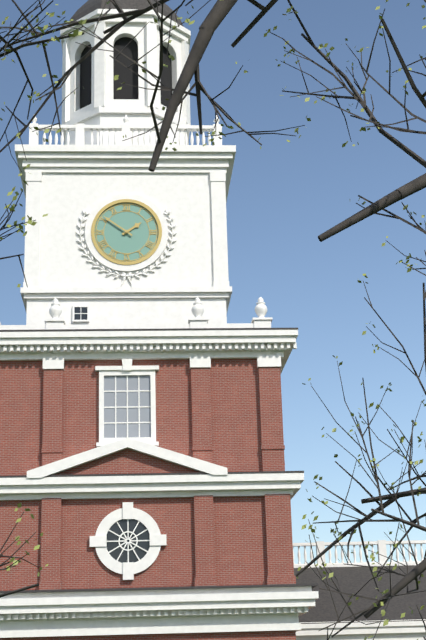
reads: 1,51
